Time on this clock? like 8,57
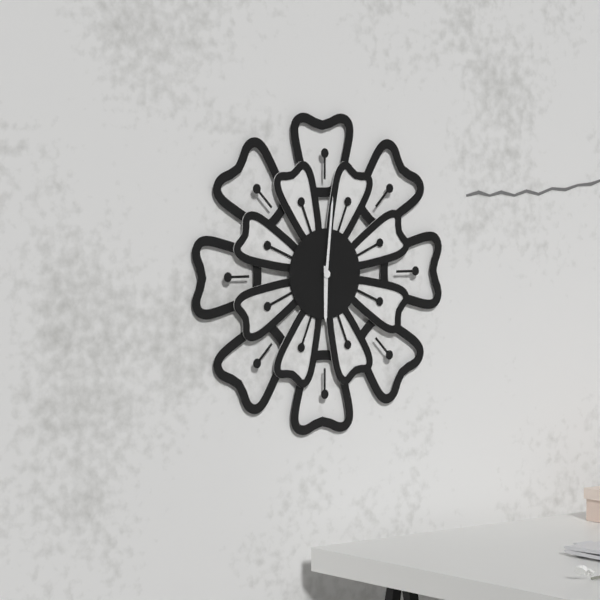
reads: 6,01
